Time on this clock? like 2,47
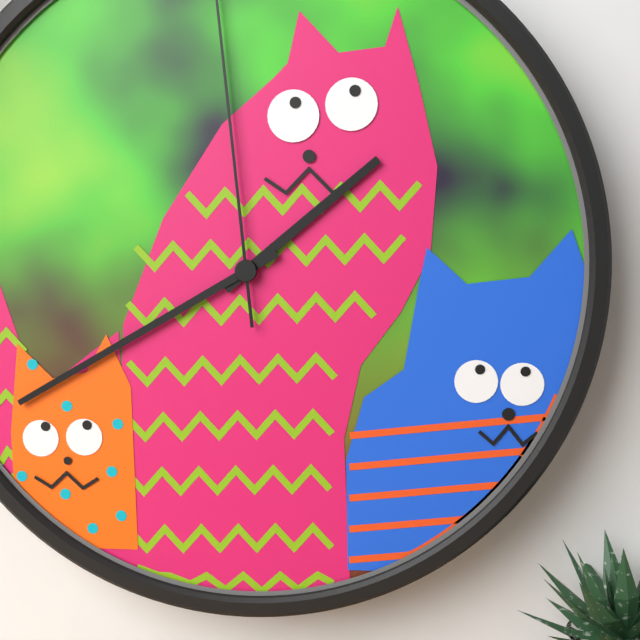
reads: 1,40
